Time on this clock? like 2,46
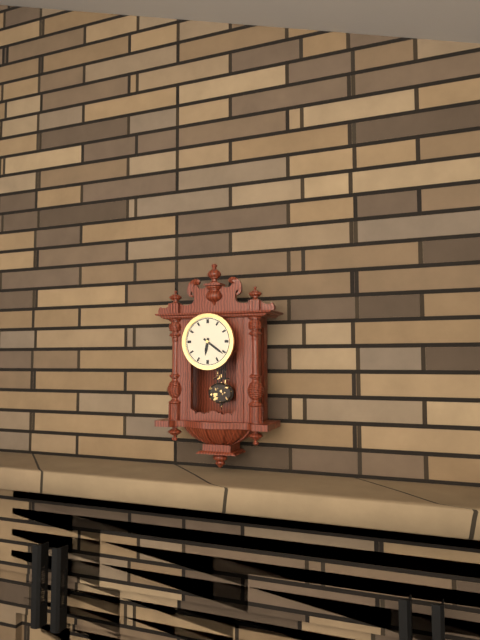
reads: 6,21
